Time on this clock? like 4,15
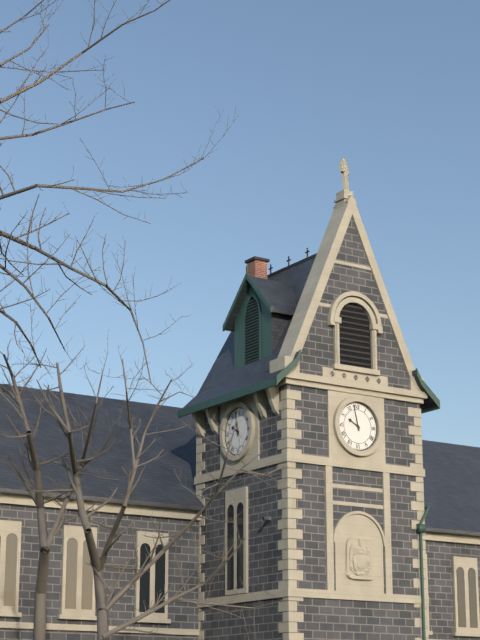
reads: 9,58
